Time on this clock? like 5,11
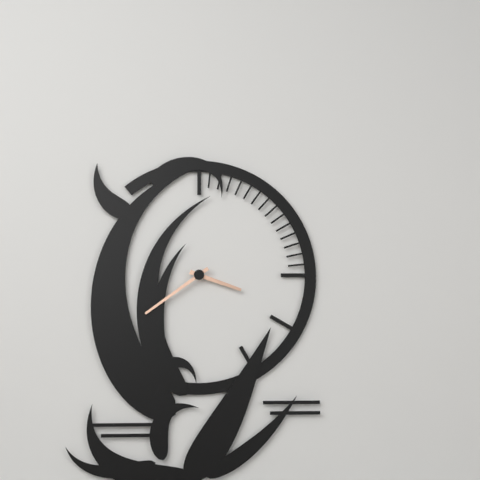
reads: 3,39
